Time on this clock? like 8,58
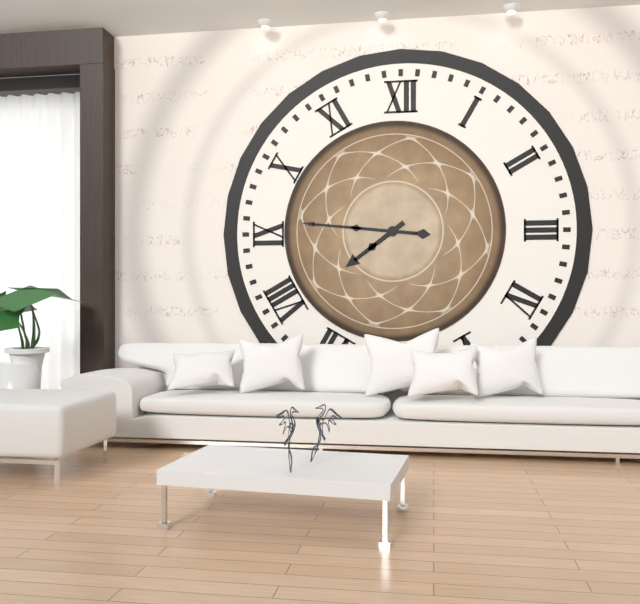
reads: 7,46
